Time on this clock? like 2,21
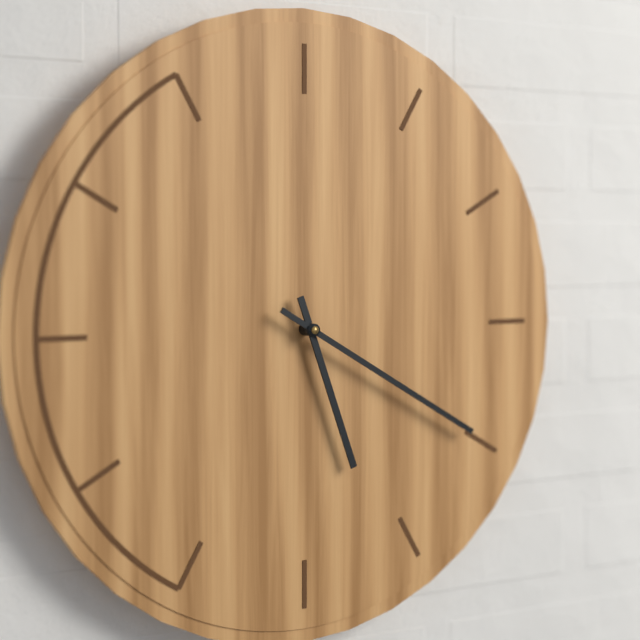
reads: 5,20
